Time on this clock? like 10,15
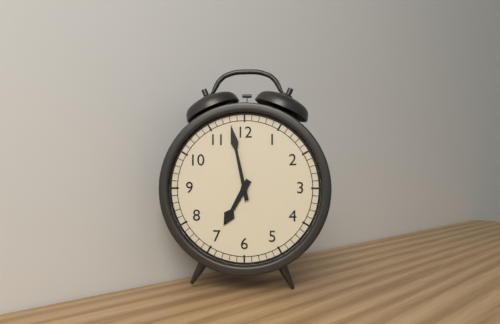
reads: 6,58
